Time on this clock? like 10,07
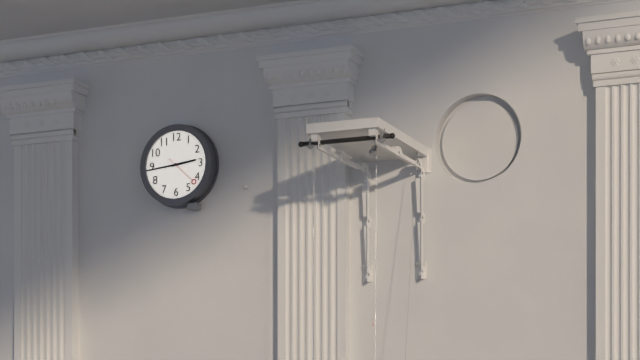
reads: 2,44
